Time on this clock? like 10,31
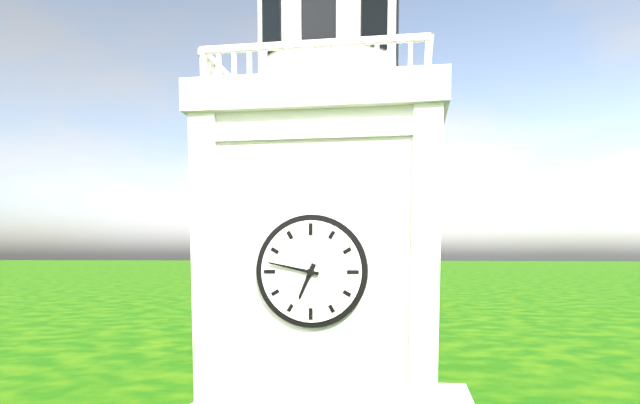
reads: 6,47
